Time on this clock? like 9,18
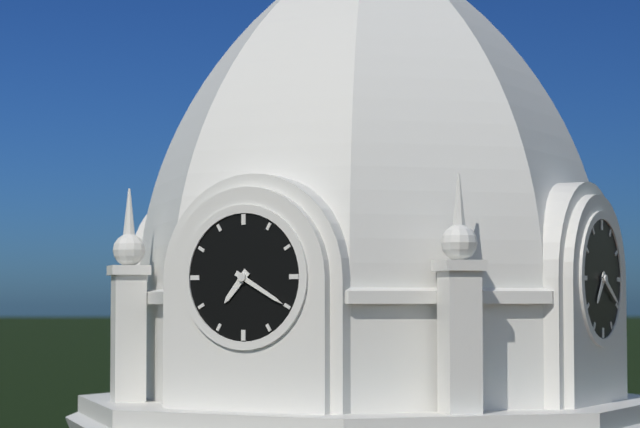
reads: 7,20
